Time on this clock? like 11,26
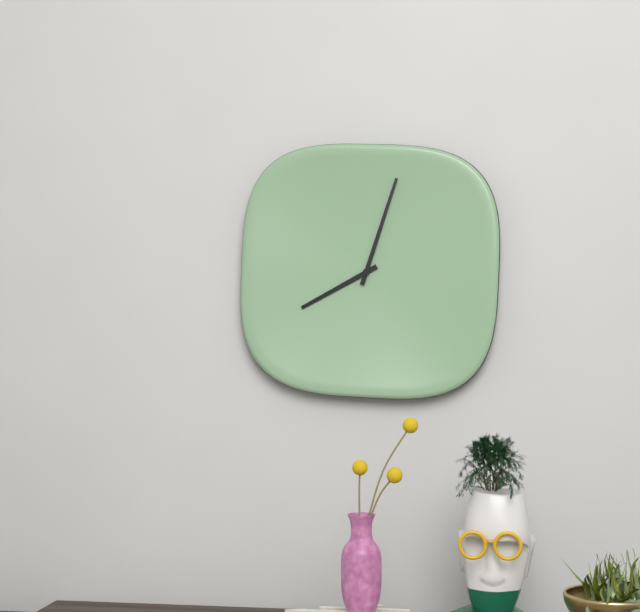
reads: 8,03
